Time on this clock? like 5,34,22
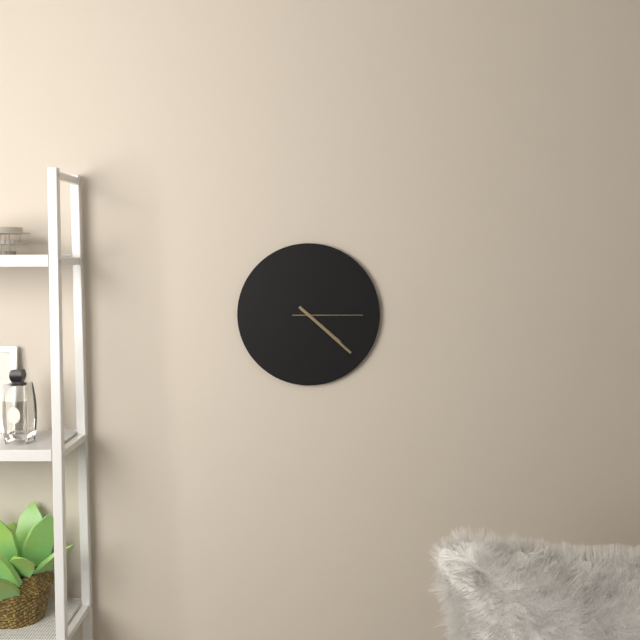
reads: 4,22,15
